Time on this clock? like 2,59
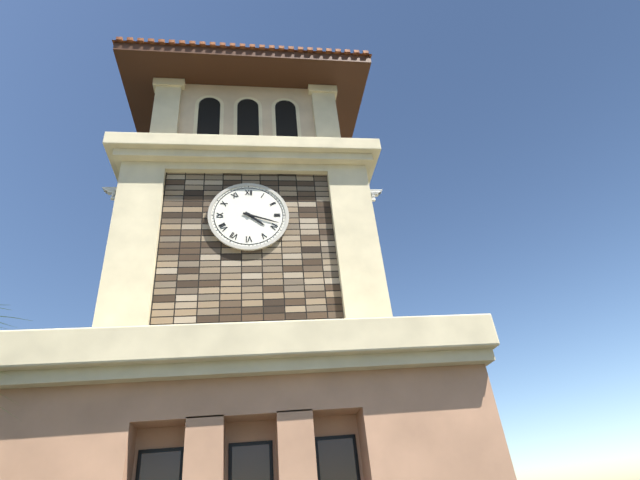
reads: 4,18
